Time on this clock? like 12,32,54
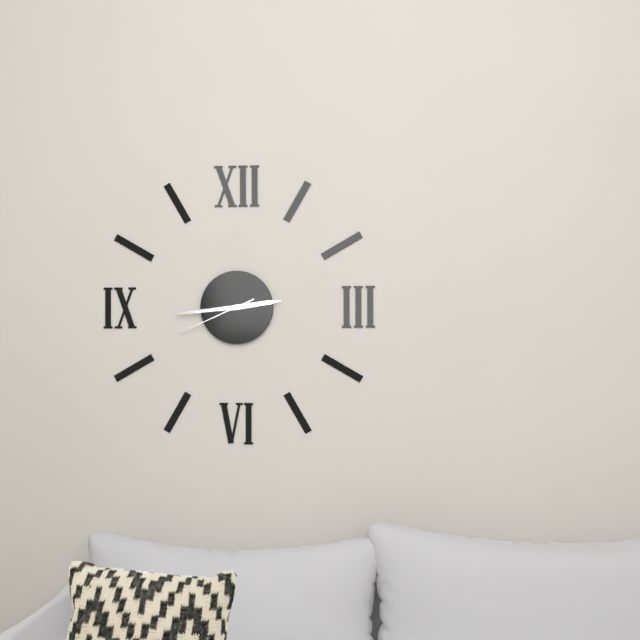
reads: 2,44,41
